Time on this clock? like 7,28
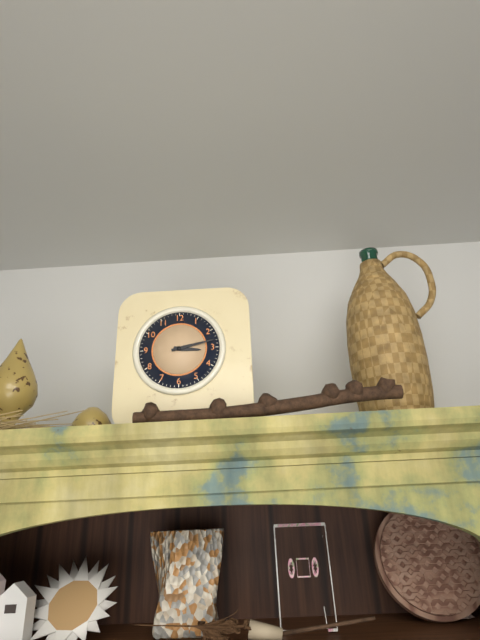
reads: 3,13
